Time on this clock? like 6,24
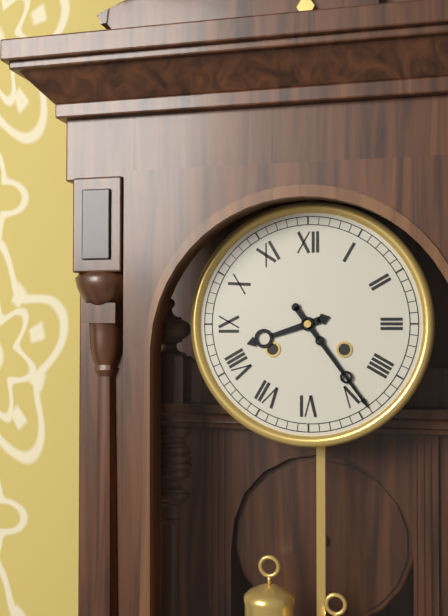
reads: 8,24
